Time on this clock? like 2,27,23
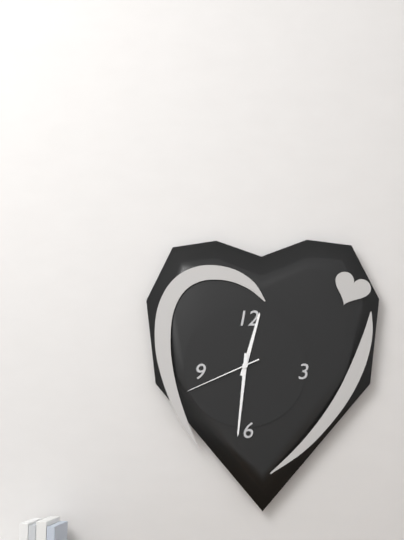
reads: 12,31,41
